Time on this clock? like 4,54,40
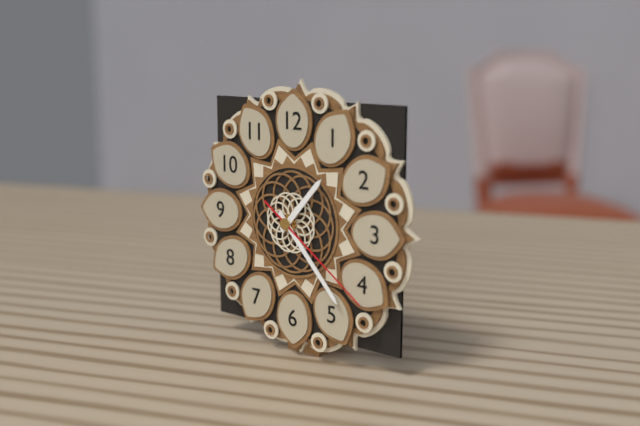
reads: 1,23,21
